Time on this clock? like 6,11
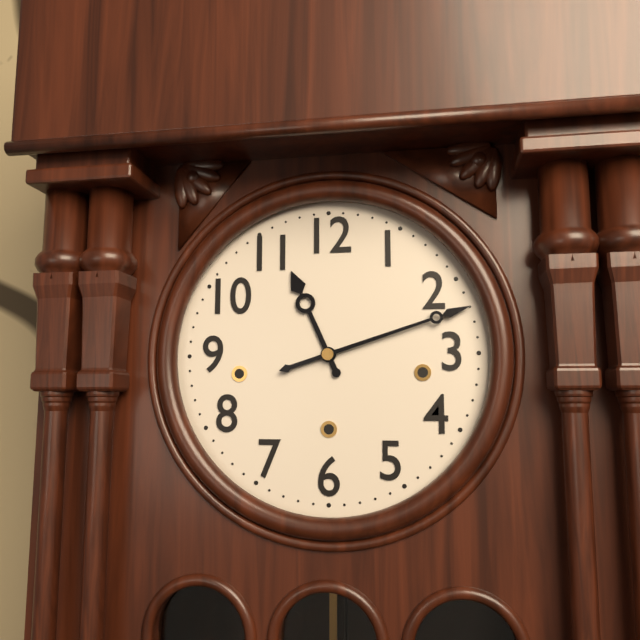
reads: 11,12
